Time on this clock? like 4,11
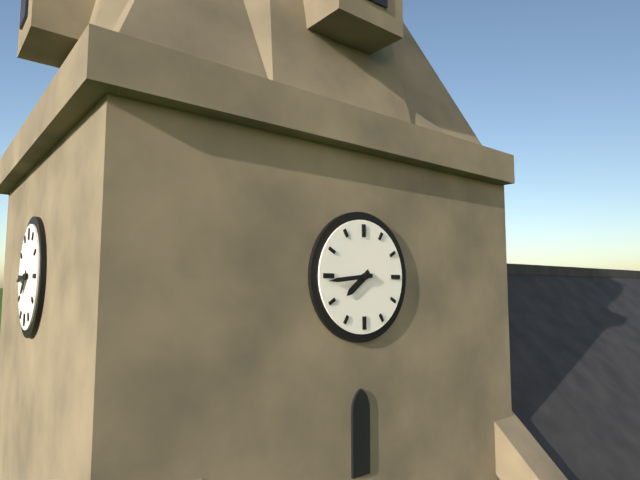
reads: 7,44
